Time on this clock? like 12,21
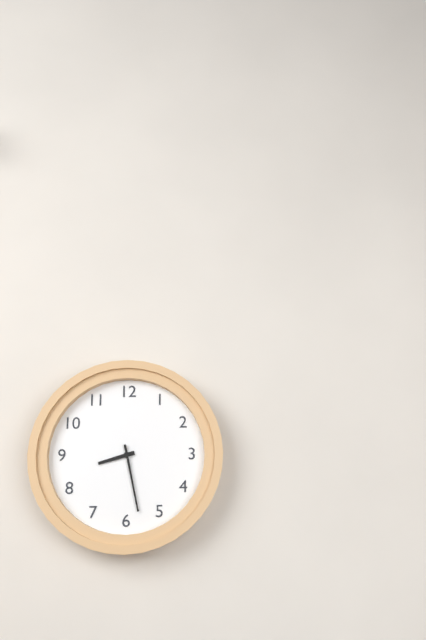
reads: 8,28
